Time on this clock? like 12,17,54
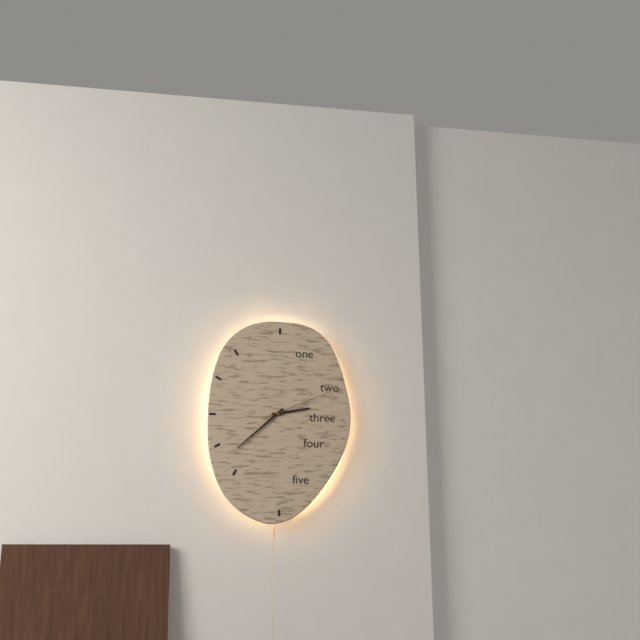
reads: 2,38,11
